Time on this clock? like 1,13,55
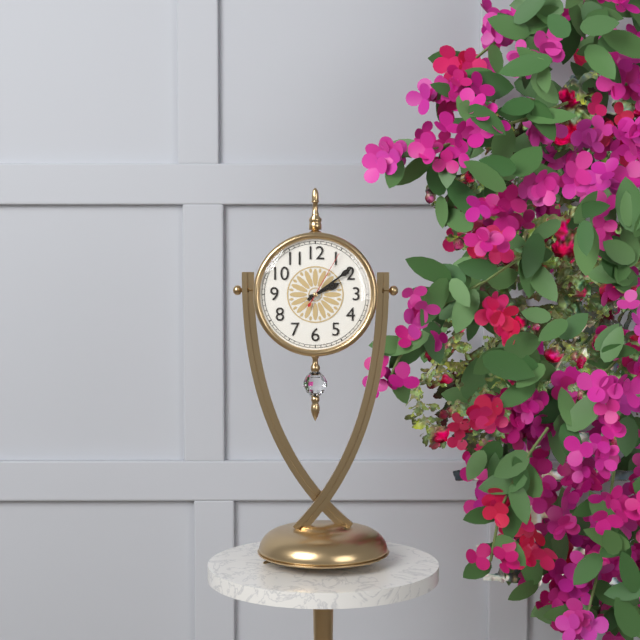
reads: 2,09,05
